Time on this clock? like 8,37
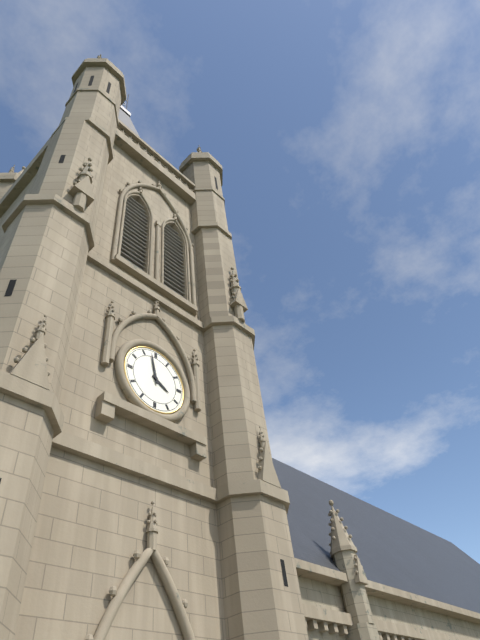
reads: 3,58
